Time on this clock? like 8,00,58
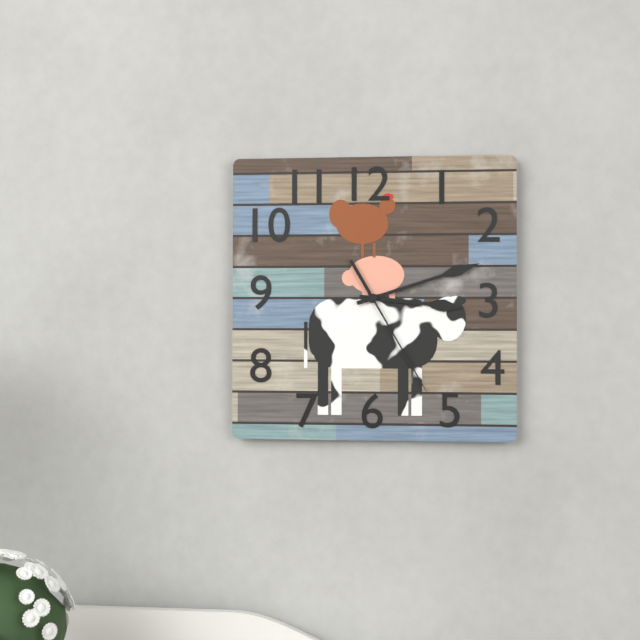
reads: 3,12,25
